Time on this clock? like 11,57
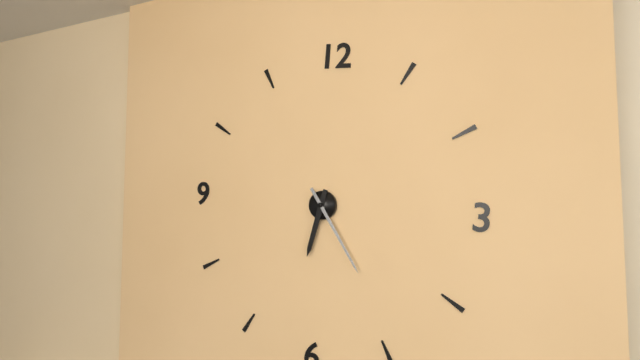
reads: 6,24
